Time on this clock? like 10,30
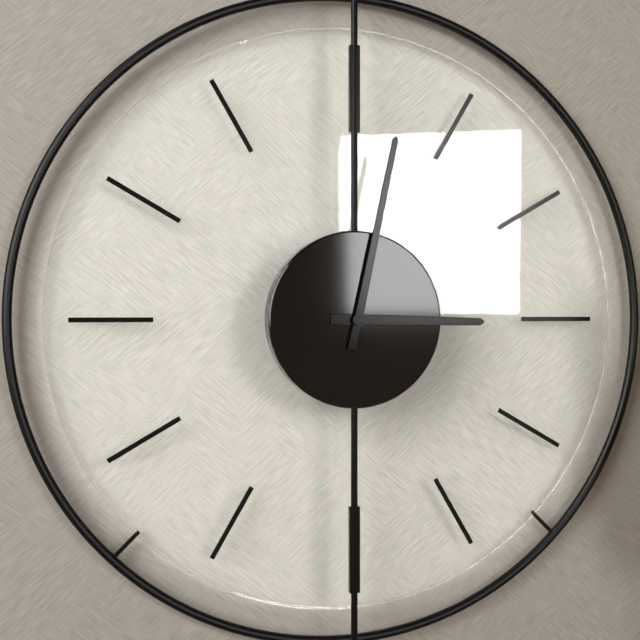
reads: 3,02
